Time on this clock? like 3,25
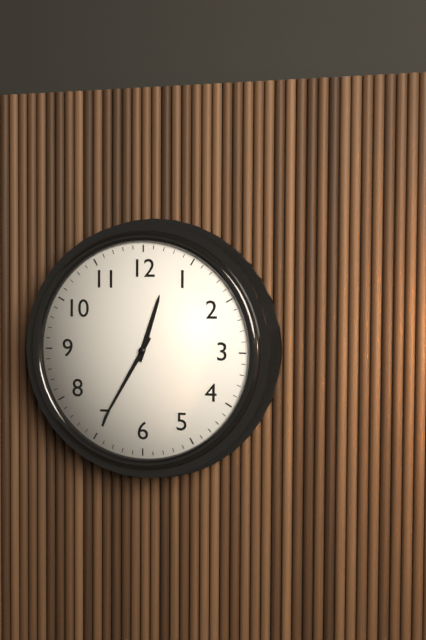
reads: 12,35
